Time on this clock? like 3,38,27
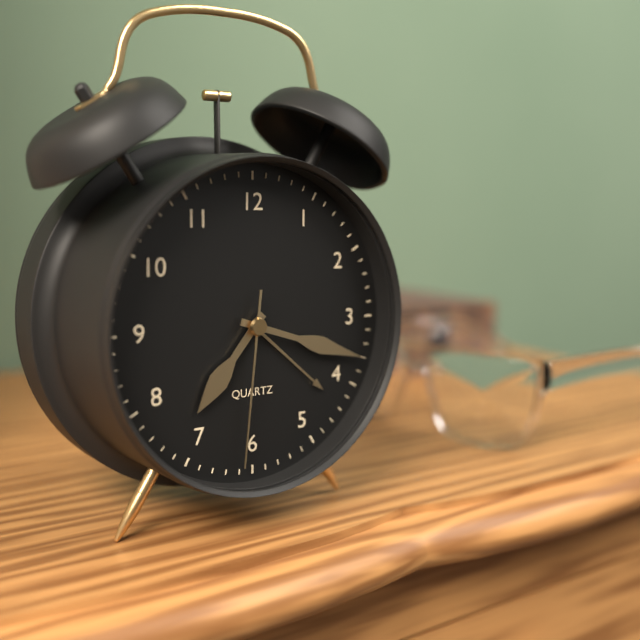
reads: 7,18,31
